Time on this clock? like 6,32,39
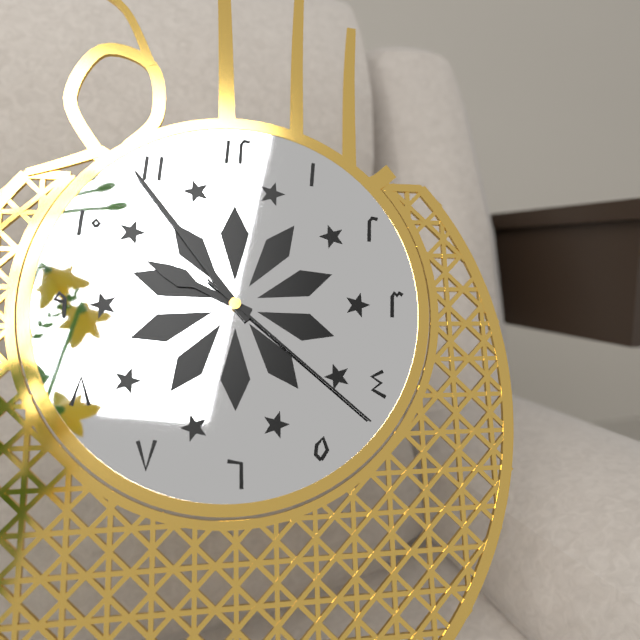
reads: 9,54,22
